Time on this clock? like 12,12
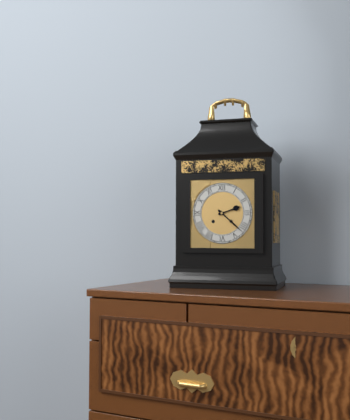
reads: 2,22
